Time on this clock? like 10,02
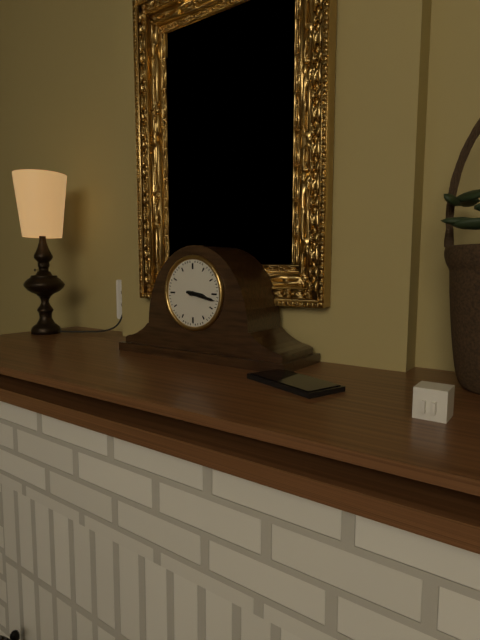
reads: 3,17
